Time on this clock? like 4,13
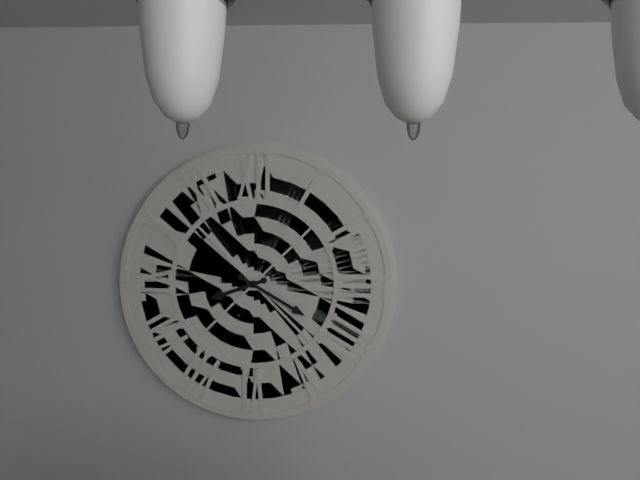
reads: 8,20
